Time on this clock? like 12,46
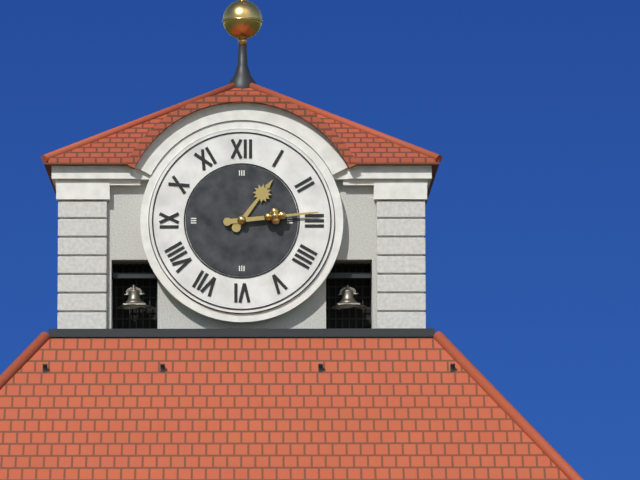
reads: 1,14
